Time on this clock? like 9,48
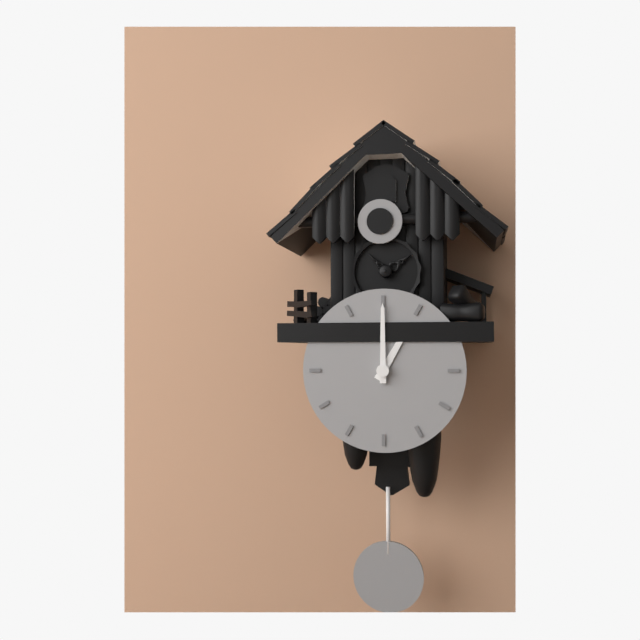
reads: 1,00
